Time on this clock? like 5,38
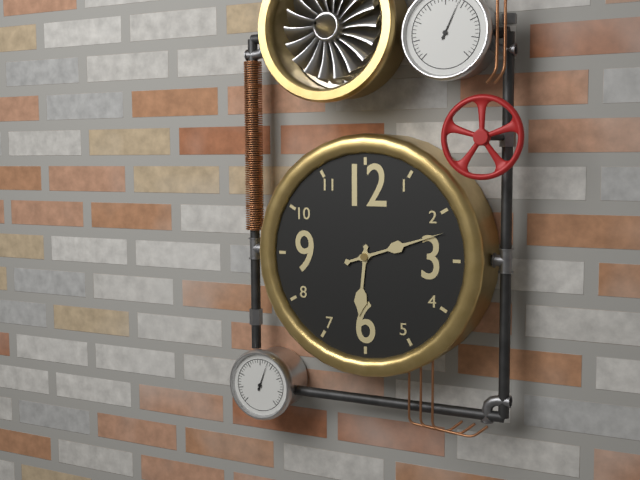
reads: 6,12
